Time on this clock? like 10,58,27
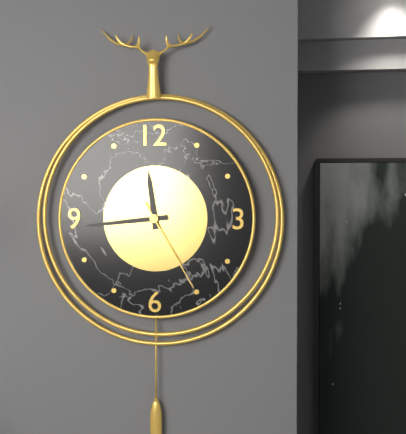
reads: 11,44,25
